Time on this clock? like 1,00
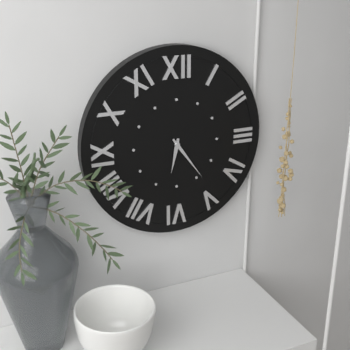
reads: 6,24
